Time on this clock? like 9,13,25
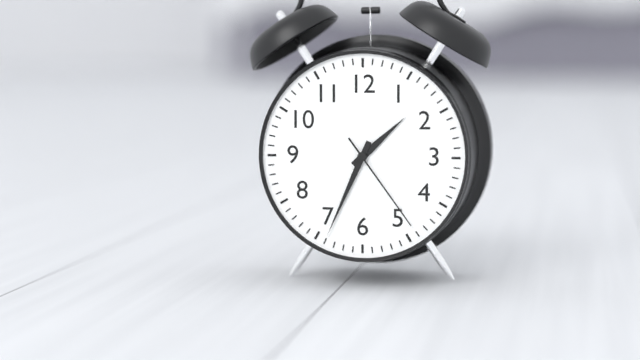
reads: 1,34,24
